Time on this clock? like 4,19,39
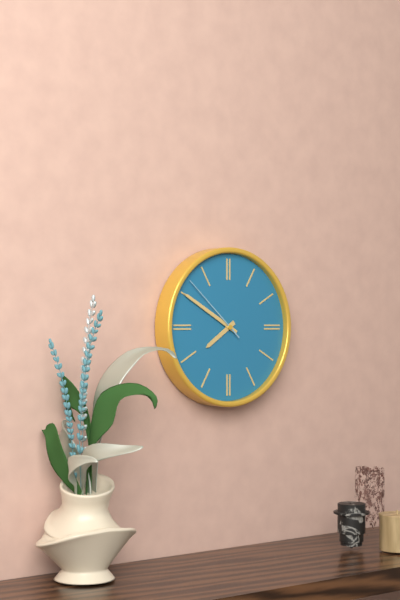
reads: 7,50,52
